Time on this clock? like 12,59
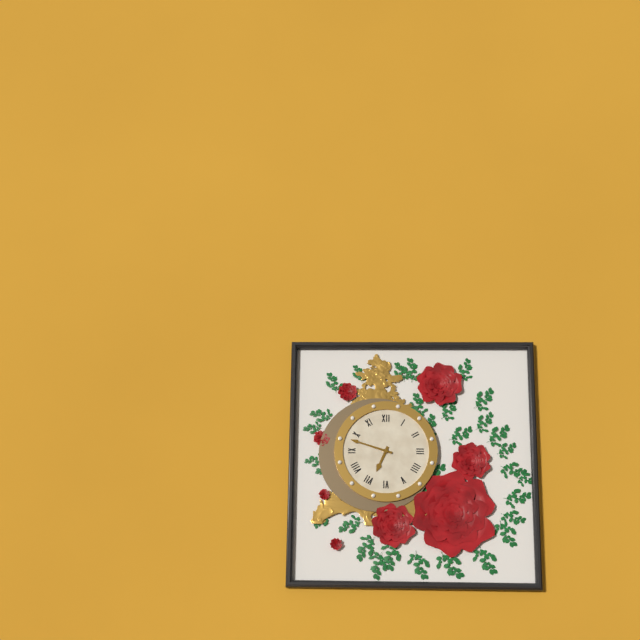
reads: 6,48
